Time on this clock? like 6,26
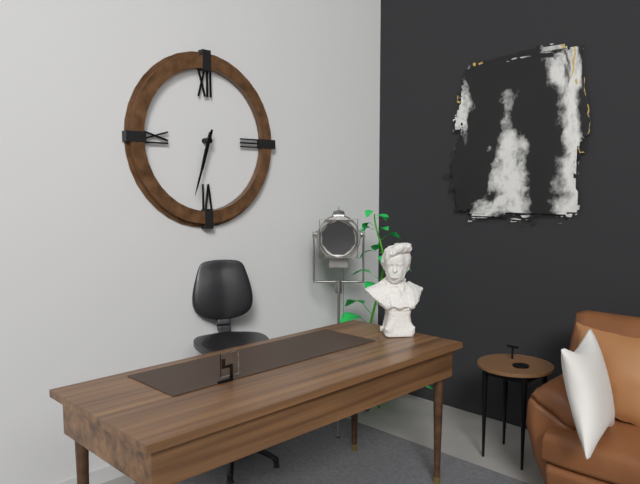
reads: 6,33
